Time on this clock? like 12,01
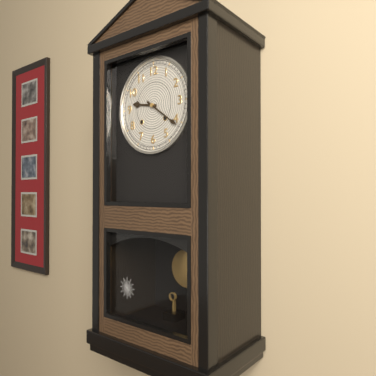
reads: 9,21
